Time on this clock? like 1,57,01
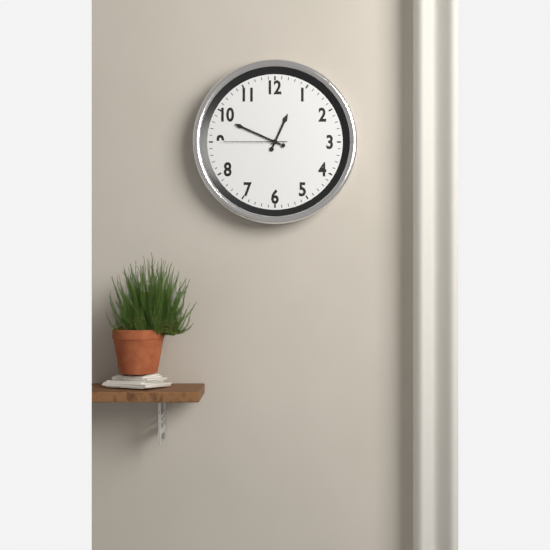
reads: 12,49,45
